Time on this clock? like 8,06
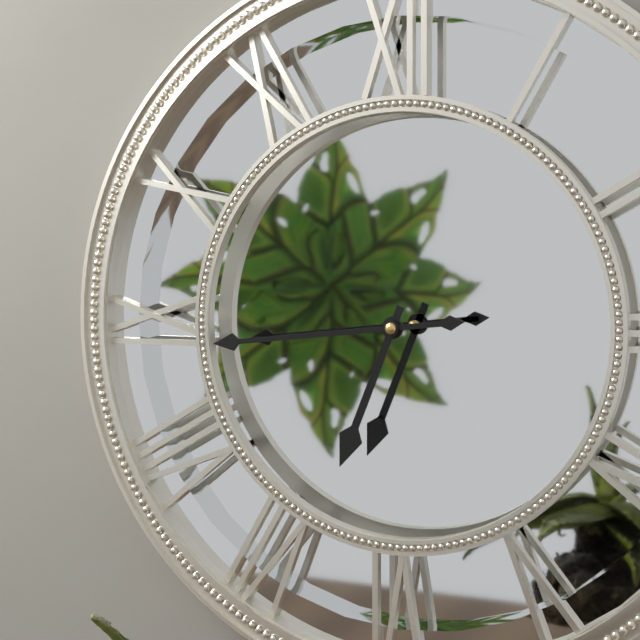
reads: 6,44
